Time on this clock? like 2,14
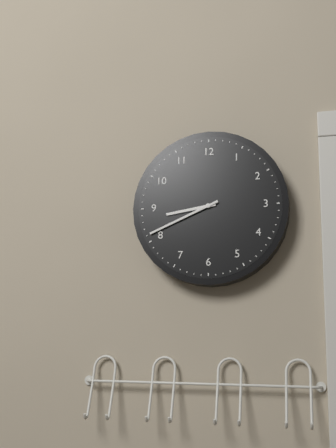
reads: 8,41
